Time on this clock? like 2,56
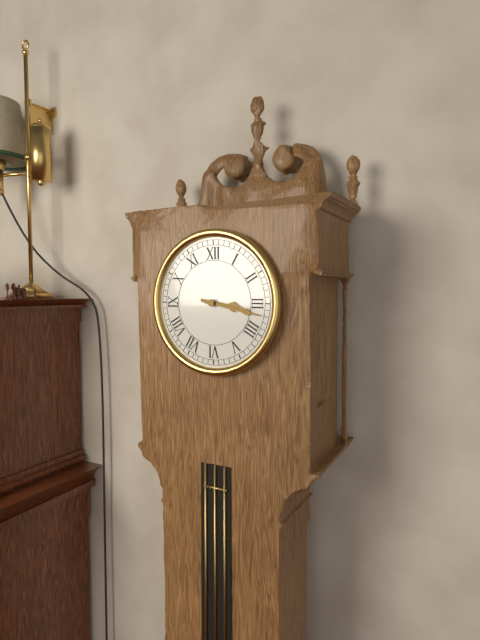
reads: 3,17
